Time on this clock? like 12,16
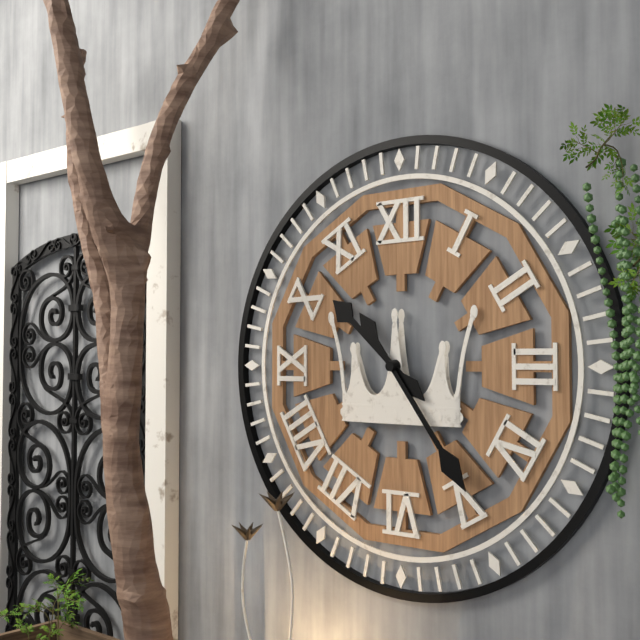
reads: 10,24
